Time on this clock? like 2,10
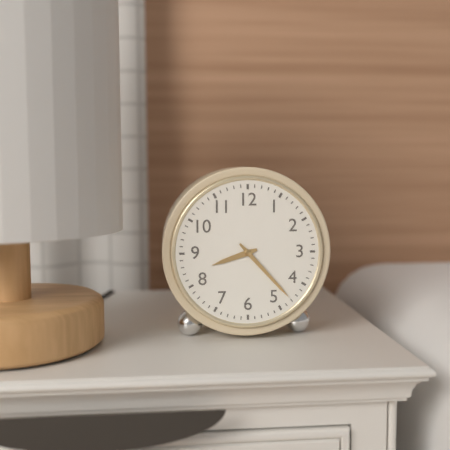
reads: 8,23
